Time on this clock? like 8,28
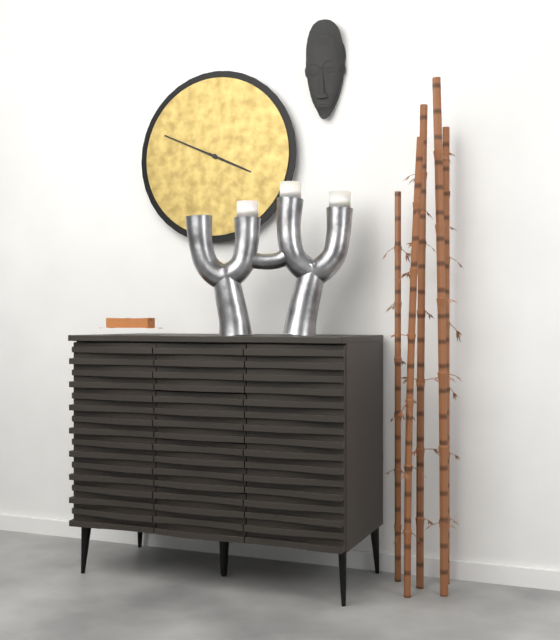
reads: 3,49
